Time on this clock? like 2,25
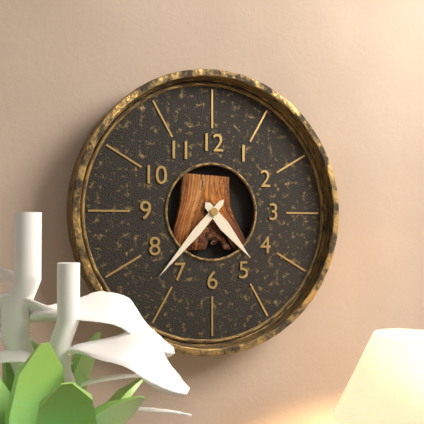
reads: 4,37
